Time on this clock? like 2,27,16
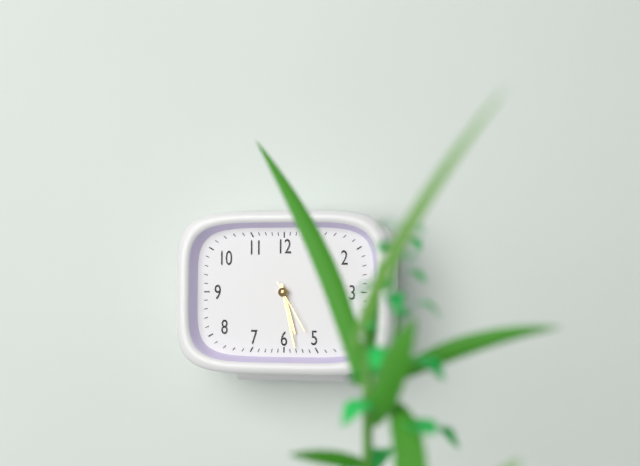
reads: 5,28,25
